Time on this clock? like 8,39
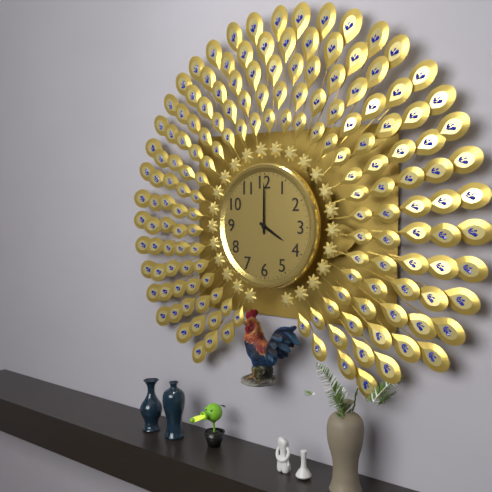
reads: 4,00
